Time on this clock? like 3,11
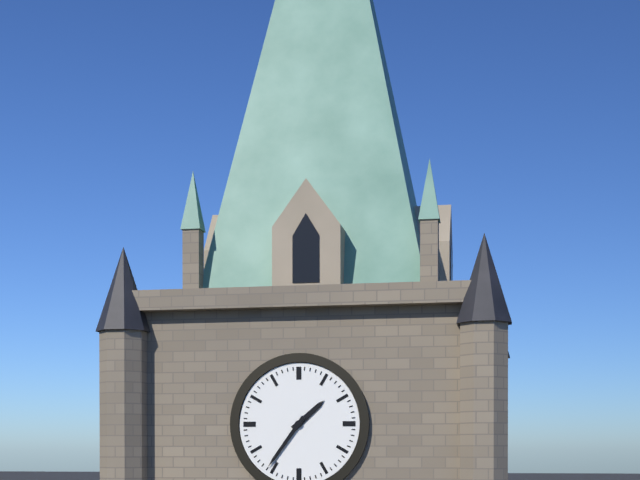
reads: 1,36
